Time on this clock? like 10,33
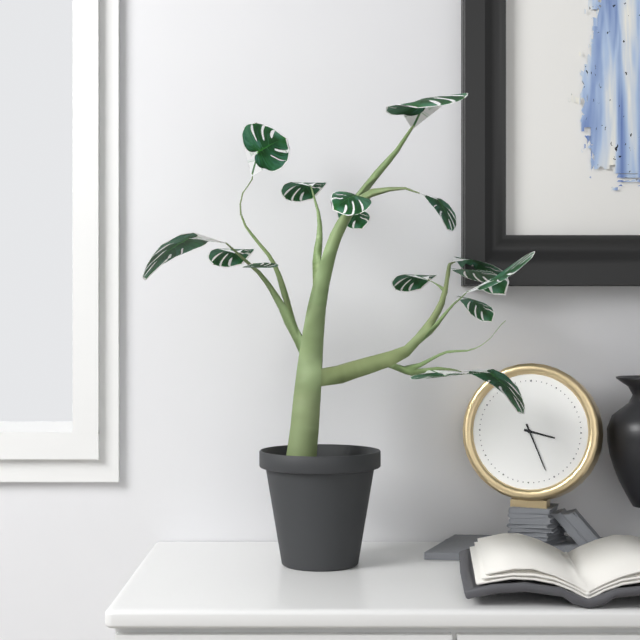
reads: 3,26
